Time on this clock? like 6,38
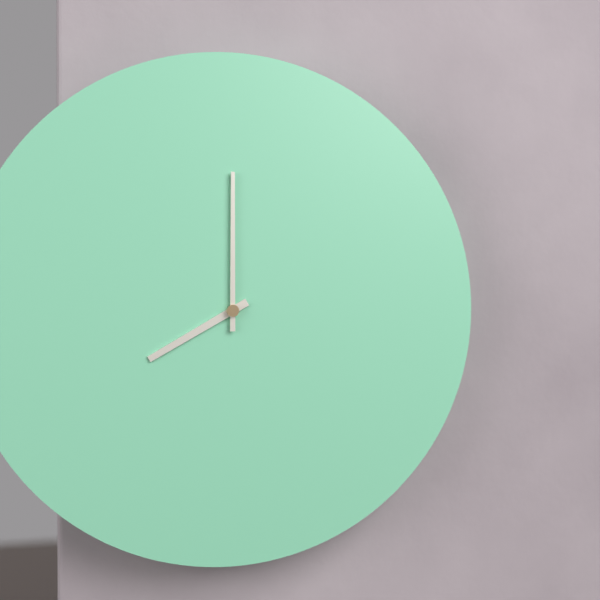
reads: 8,00
